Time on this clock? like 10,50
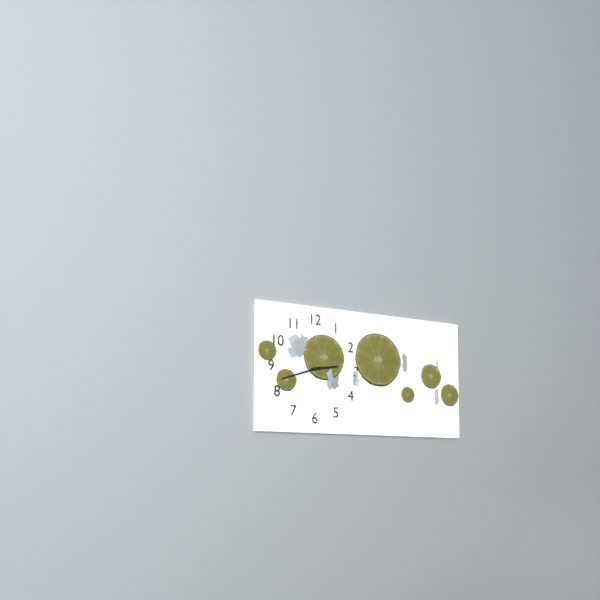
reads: 2,42
